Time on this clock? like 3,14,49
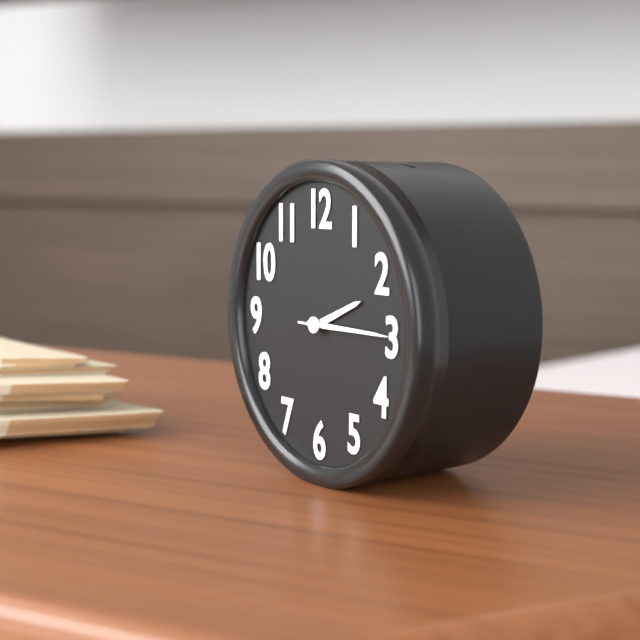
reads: 2,15,15
